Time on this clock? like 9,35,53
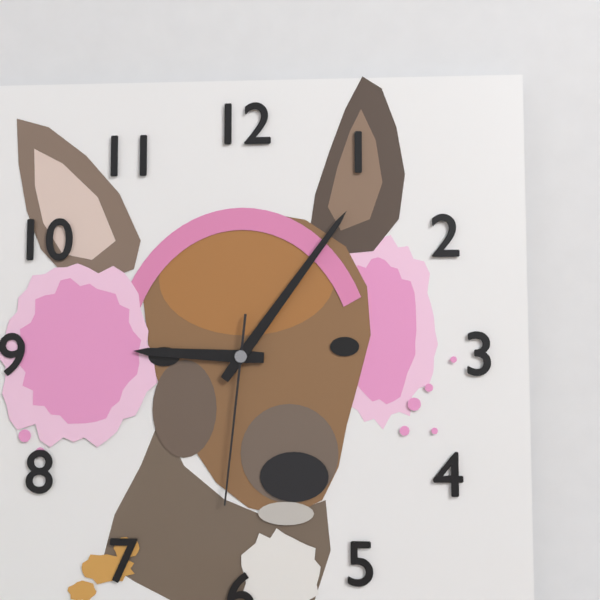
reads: 9,06,31
